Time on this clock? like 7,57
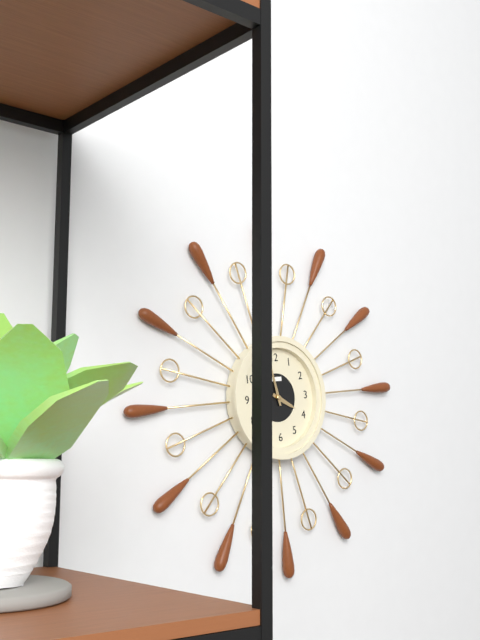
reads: 3,58
